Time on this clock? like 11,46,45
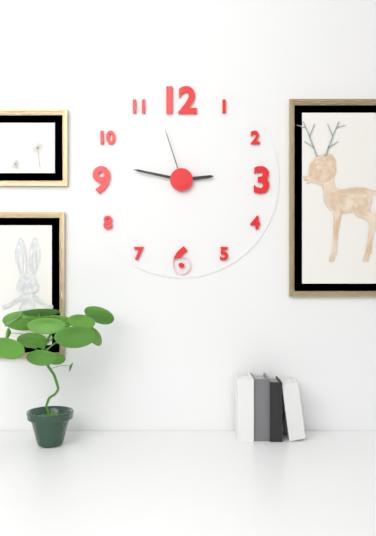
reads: 2,47,57
